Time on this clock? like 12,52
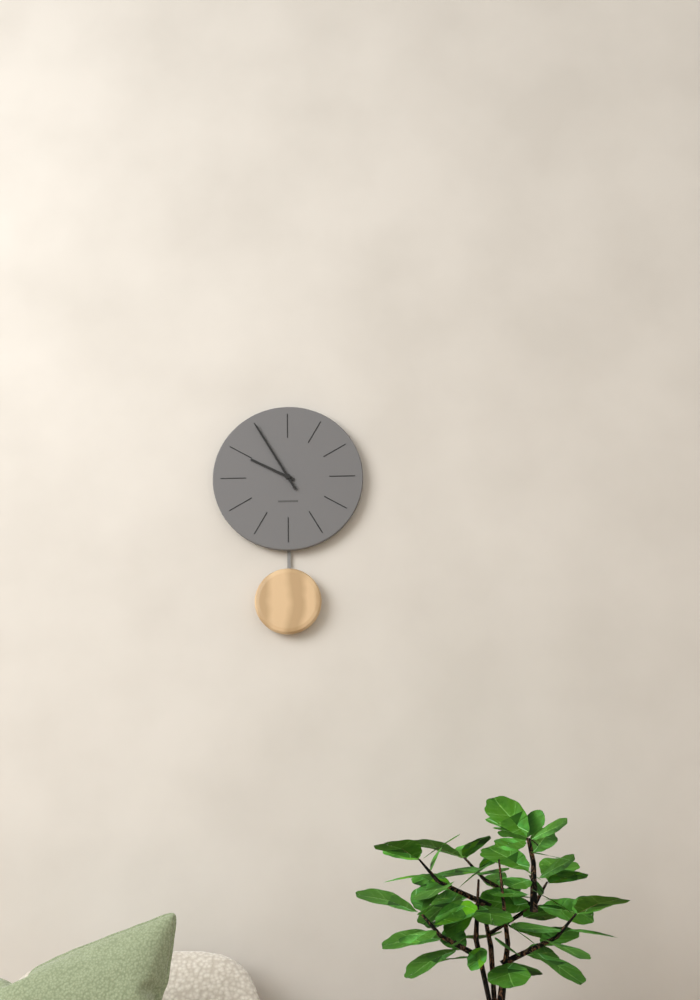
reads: 9,55
